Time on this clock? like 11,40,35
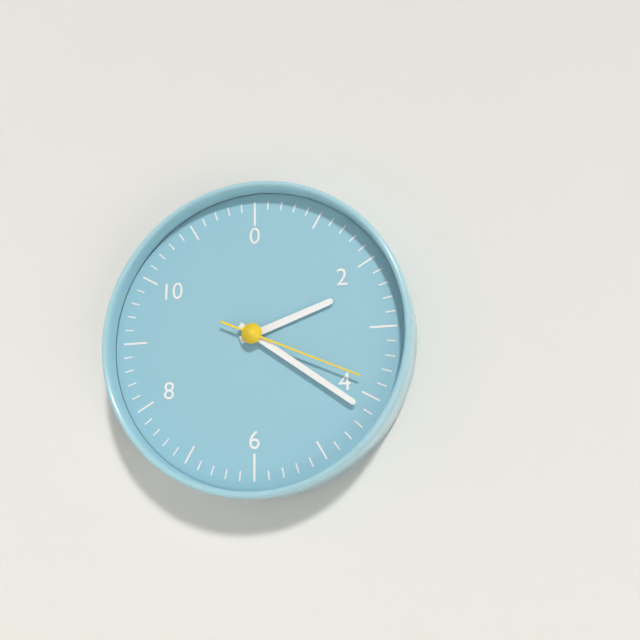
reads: 2,21,19
